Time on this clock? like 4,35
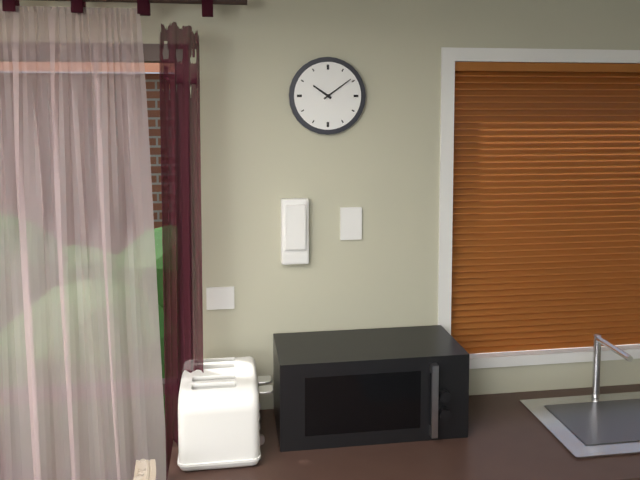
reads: 10,09
